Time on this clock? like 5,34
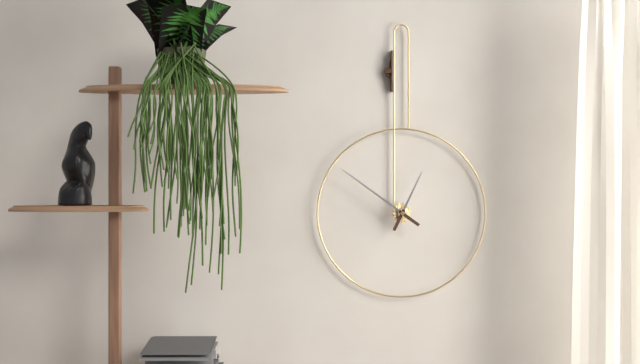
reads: 12,51
